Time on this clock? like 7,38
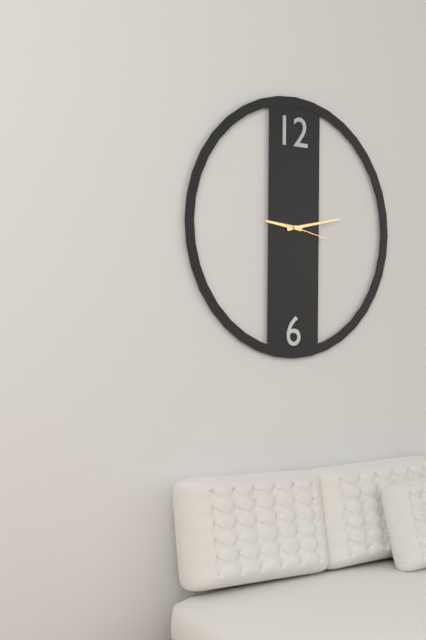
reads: 9,13
